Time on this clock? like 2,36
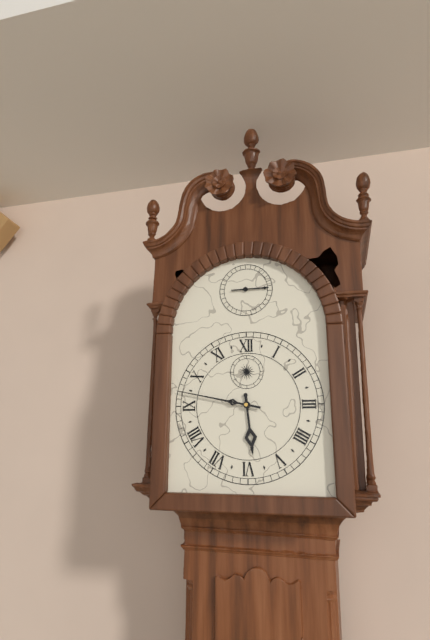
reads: 5,47
